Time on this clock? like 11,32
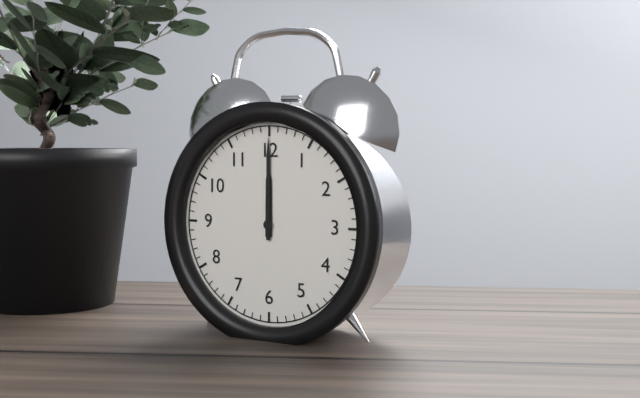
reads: 12,00
